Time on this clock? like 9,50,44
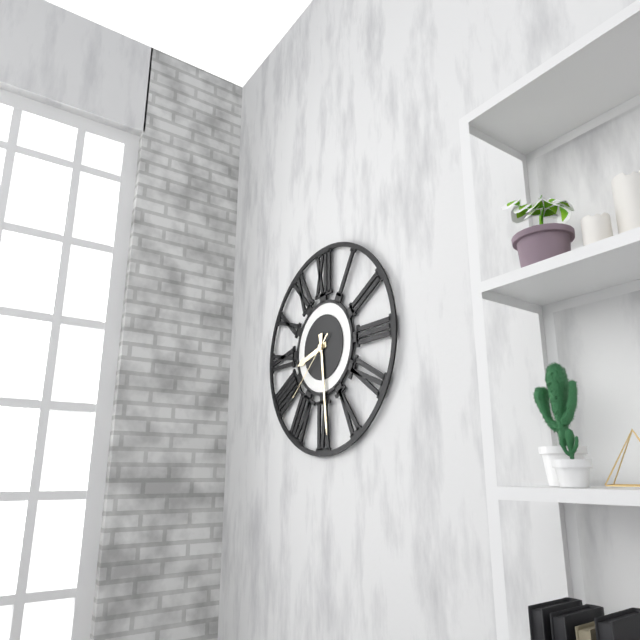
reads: 8,29,38
